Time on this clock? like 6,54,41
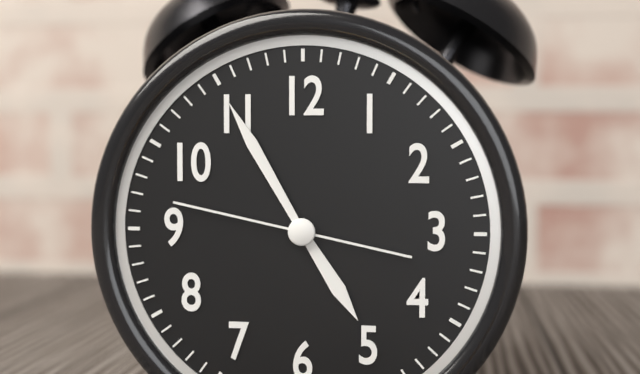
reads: 4,55,47
